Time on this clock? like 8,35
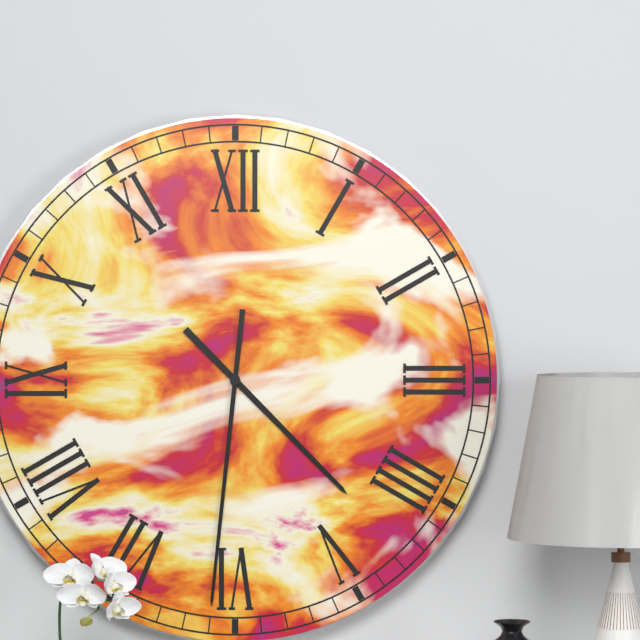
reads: 4,31
